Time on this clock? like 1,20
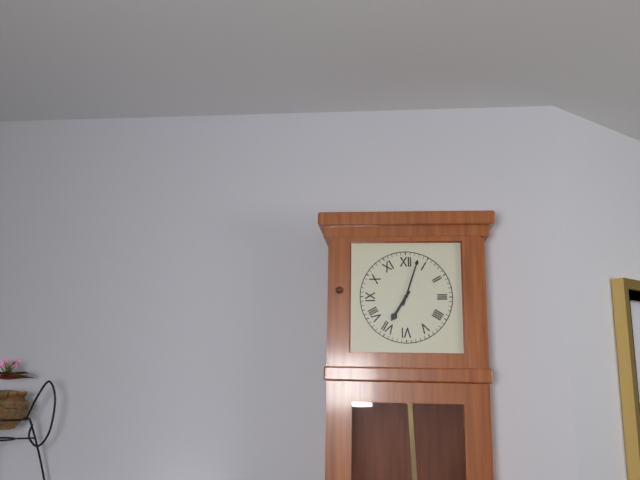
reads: 7,03
